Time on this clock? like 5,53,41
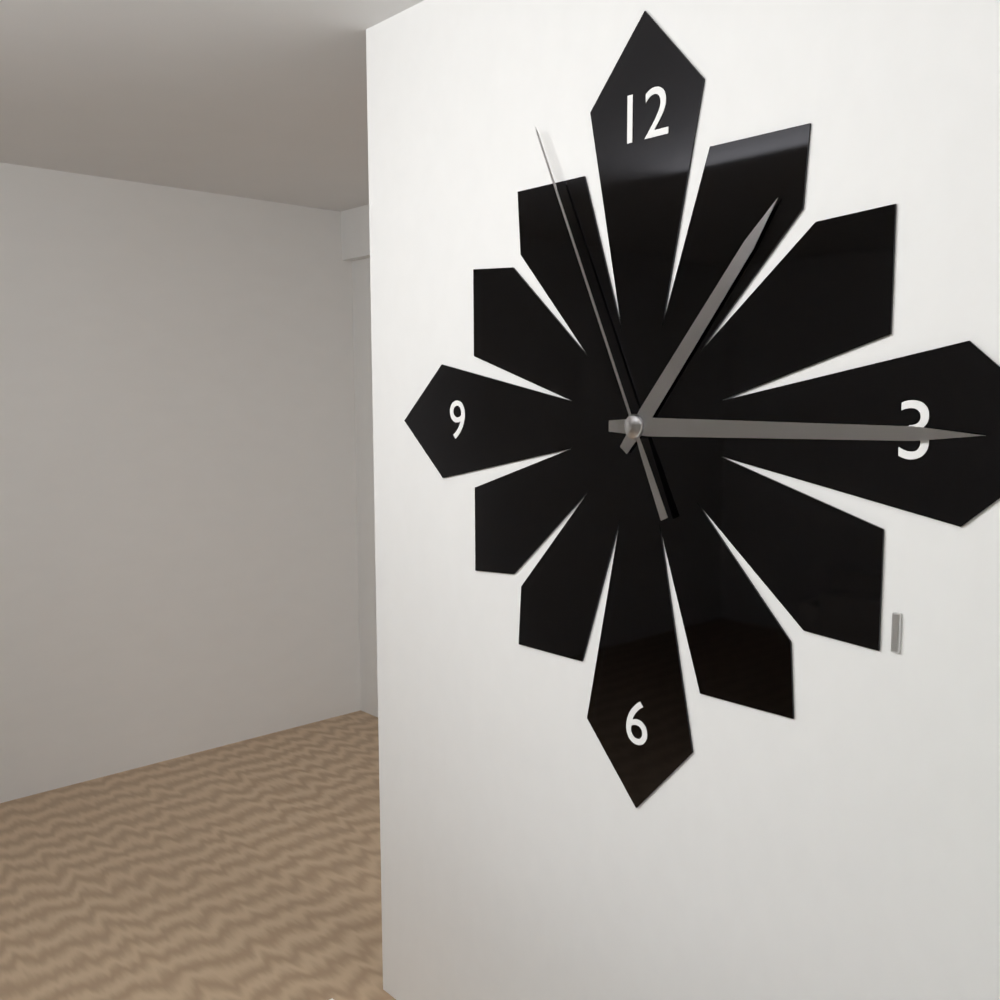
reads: 1,15,56
